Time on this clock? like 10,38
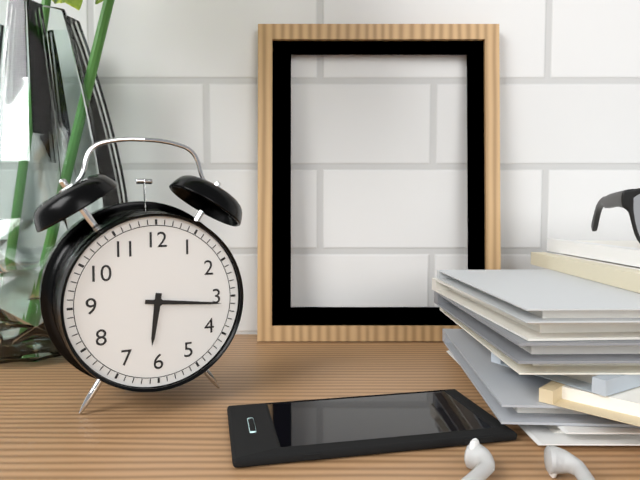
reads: 6,16
